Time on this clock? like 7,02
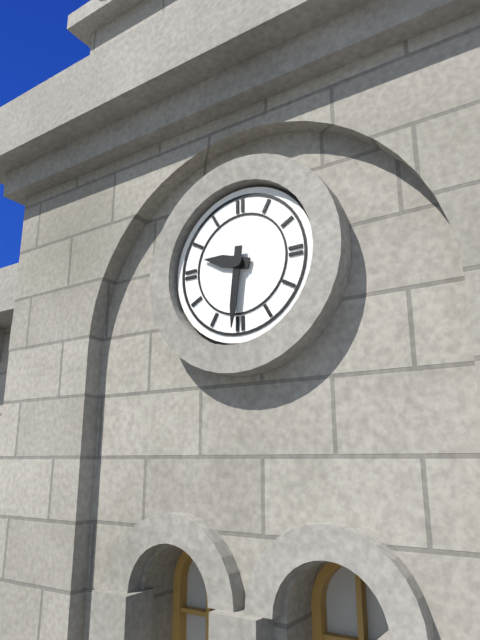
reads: 9,31
